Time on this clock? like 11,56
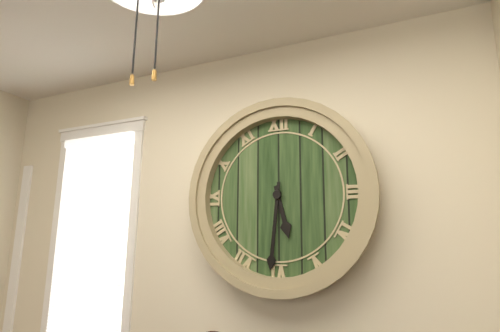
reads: 5,31
